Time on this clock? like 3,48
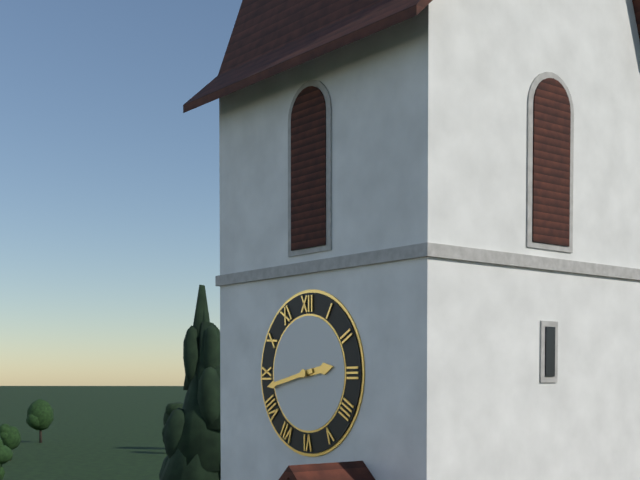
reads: 2,43
